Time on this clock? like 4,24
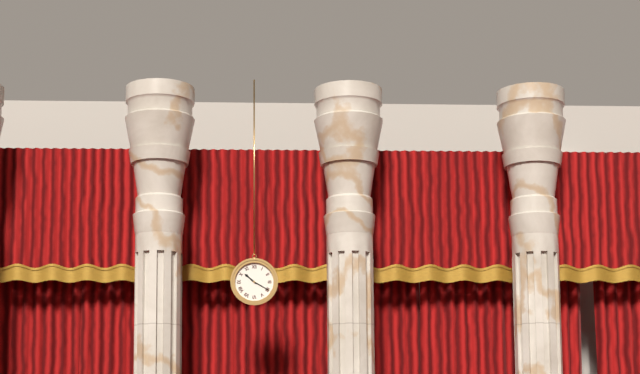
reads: 10,20
